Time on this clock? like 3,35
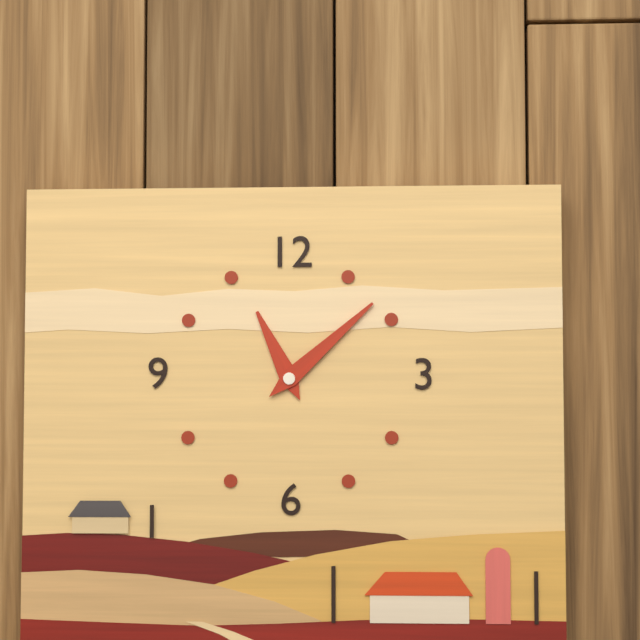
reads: 11,08
